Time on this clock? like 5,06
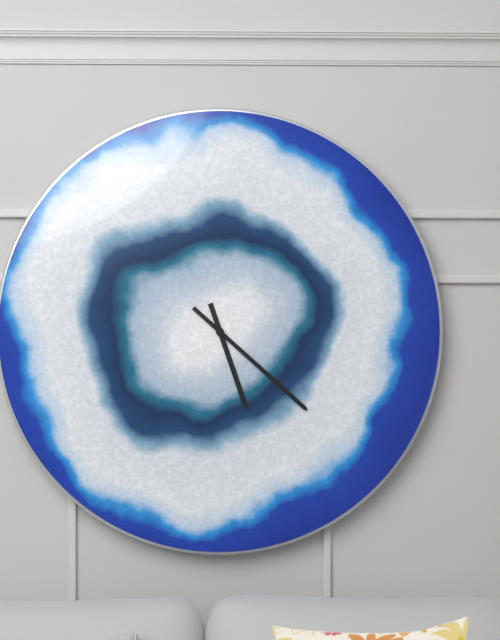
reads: 5,22
